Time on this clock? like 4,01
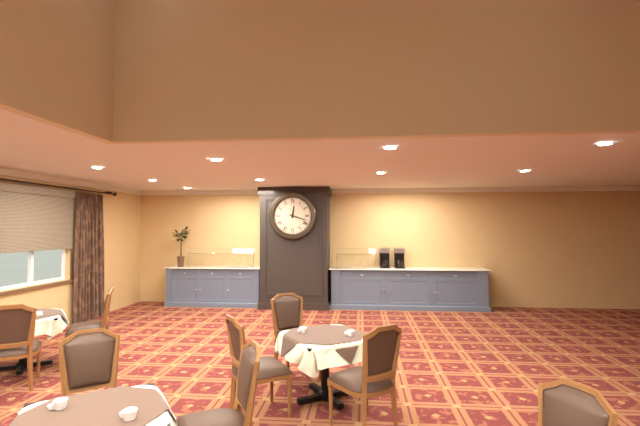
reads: 12,18
